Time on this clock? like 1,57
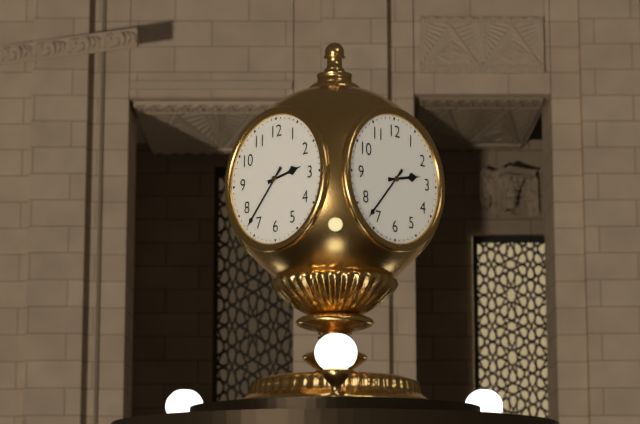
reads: 2,37
